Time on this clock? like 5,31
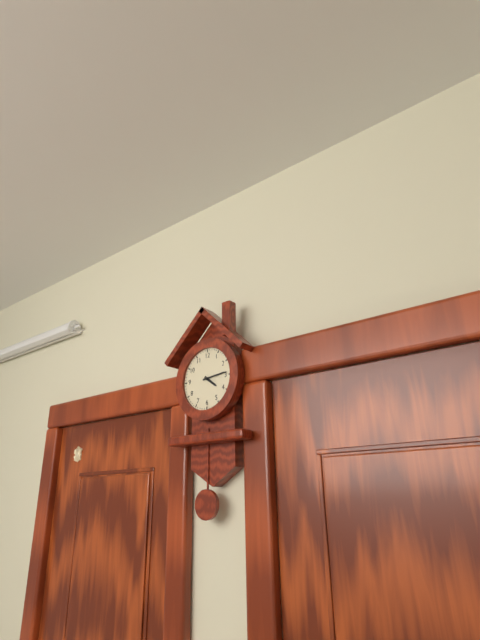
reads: 4,14
